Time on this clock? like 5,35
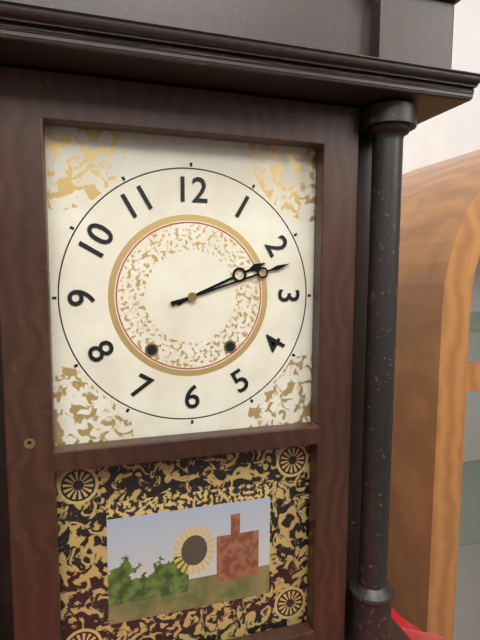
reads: 2,12
